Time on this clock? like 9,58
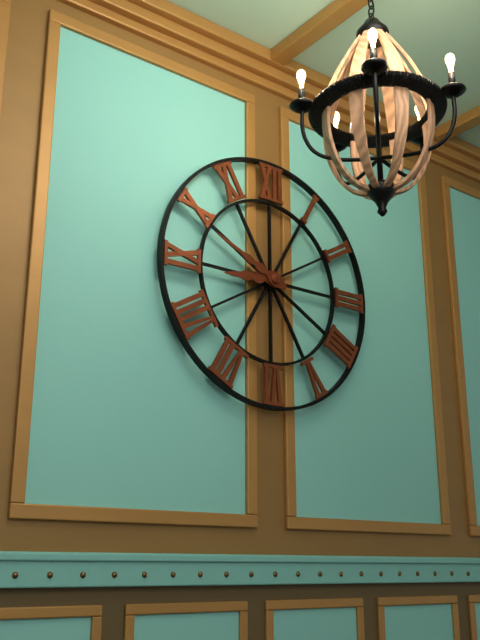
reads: 8,49
